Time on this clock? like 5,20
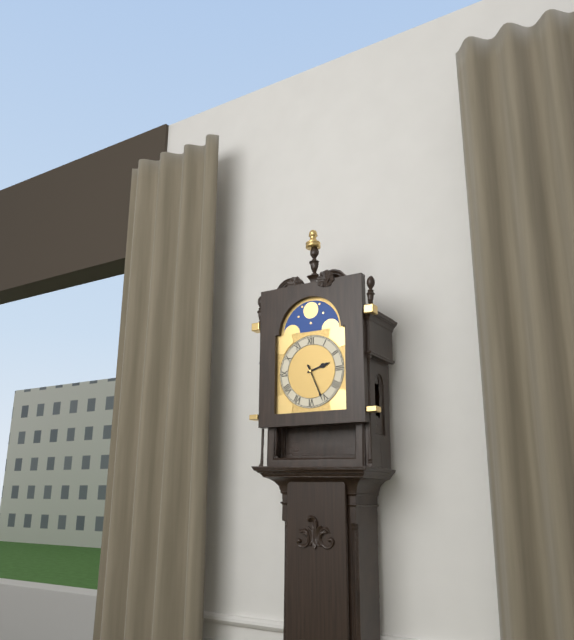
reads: 2,26
